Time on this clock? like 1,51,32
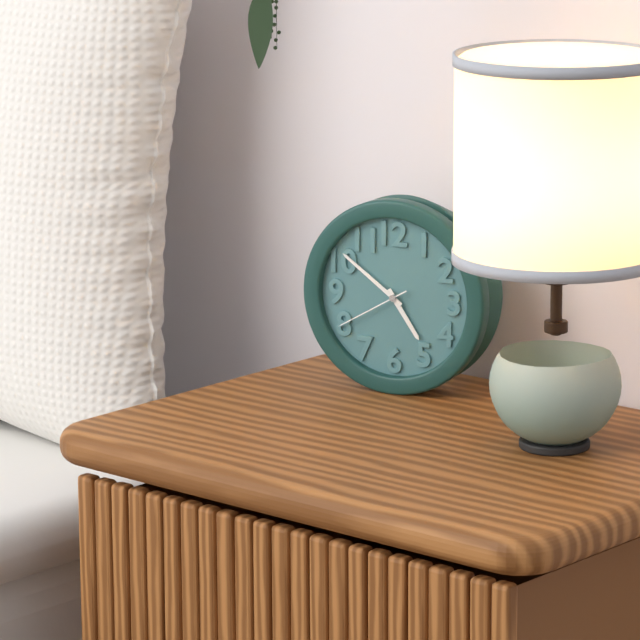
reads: 4,51,40
